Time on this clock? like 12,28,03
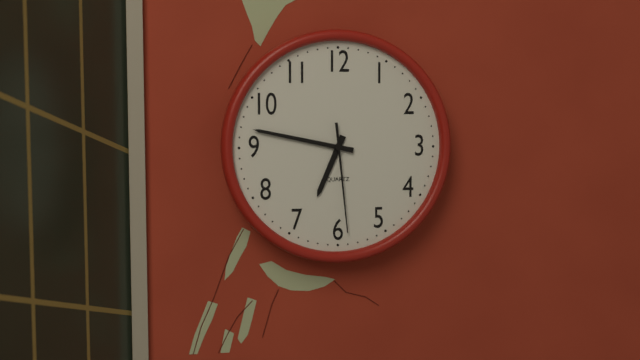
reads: 6,47,29
